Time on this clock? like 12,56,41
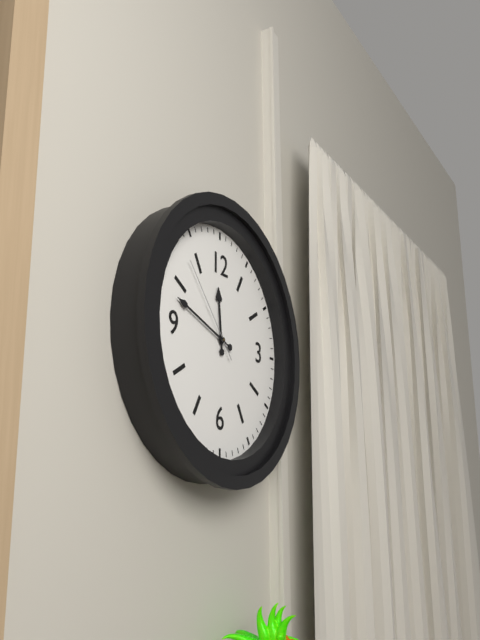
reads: 11,48,53
